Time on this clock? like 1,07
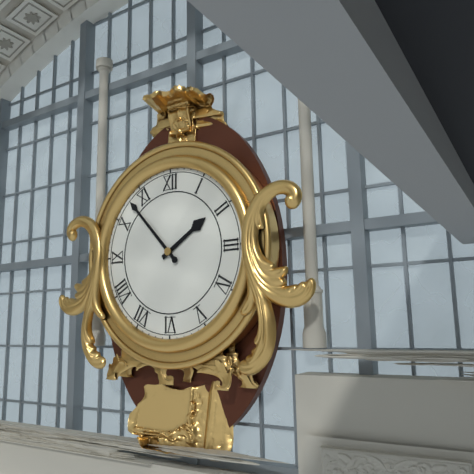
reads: 1,53
